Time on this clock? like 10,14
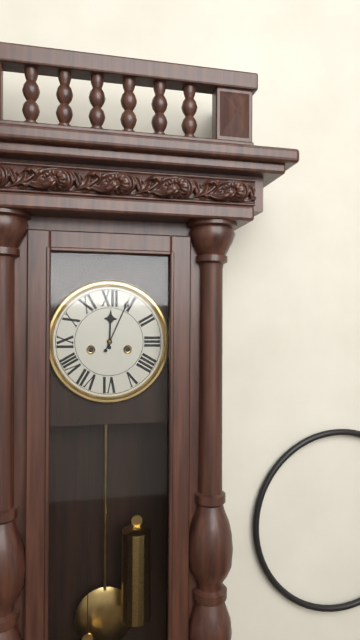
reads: 12,04
